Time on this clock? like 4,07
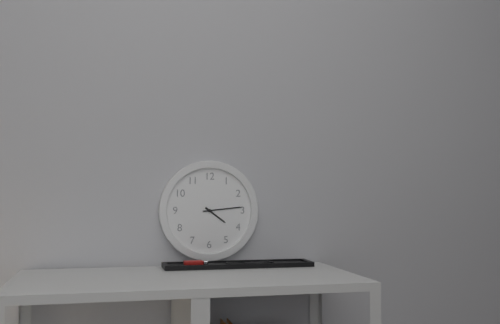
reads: 4,14
